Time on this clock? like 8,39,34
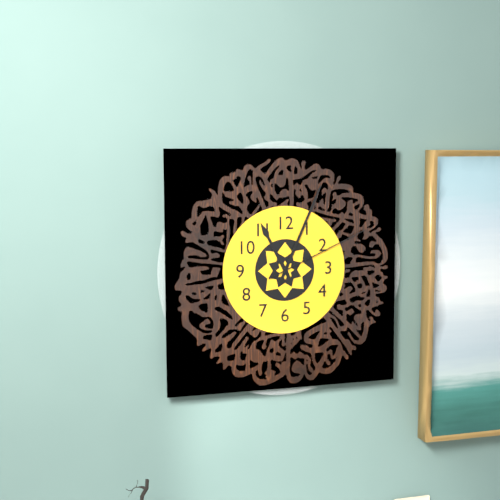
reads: 11,04,11
